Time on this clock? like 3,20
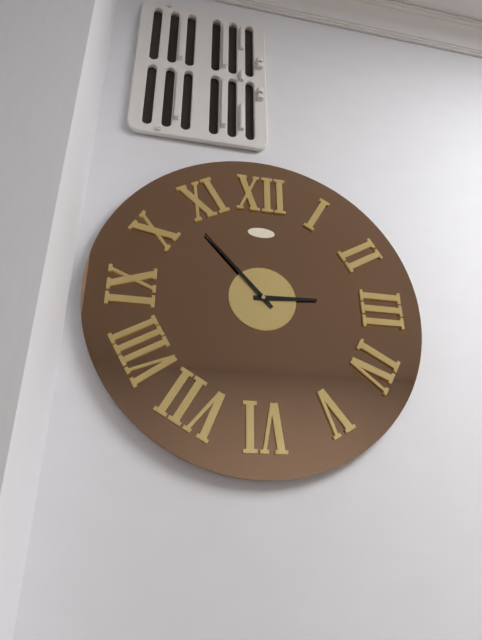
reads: 2,53
